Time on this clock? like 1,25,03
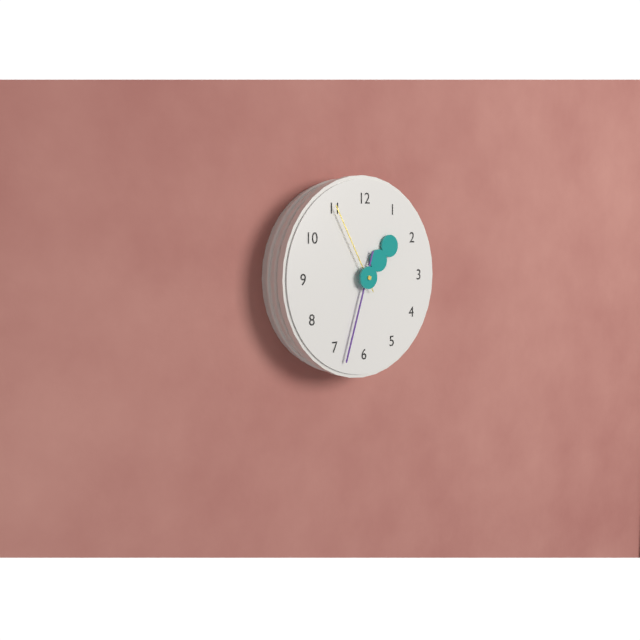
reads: 1,33,55
